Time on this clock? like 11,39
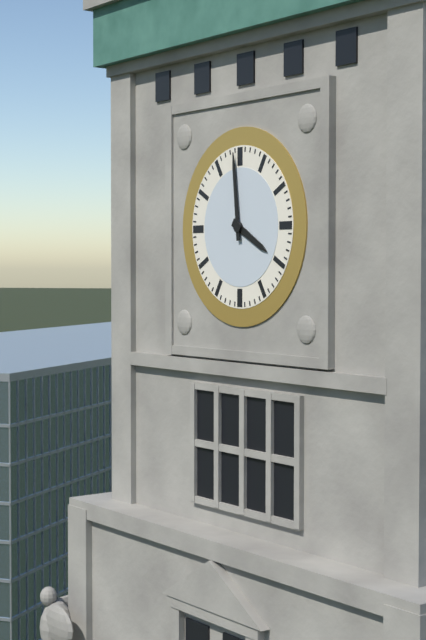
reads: 3,59
